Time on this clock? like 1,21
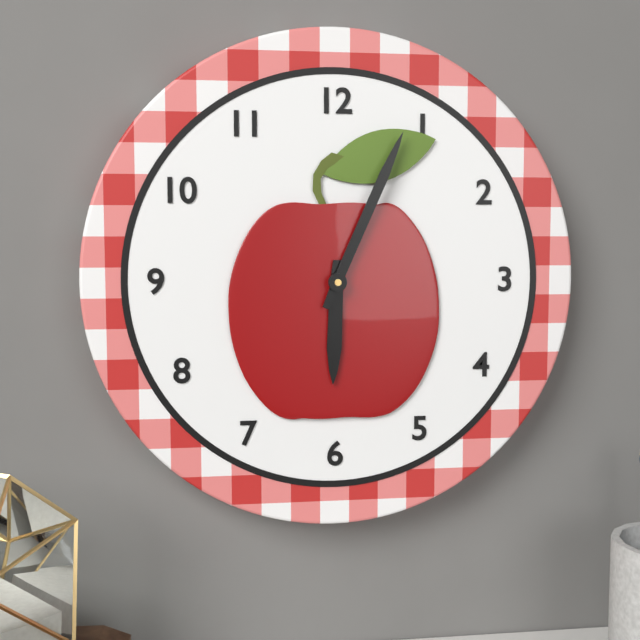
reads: 6,04
